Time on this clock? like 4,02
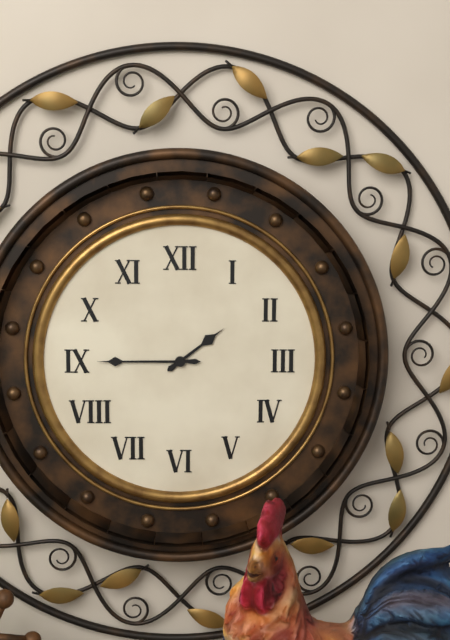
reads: 1,45
